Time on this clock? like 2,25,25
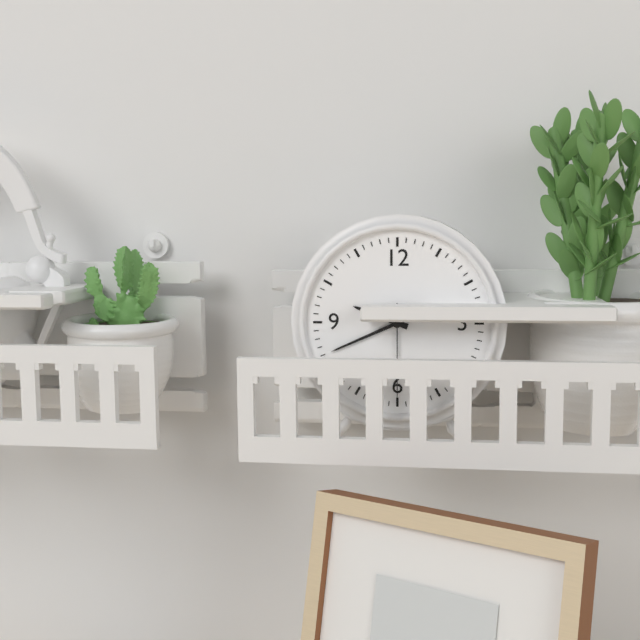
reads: 9,41,30
